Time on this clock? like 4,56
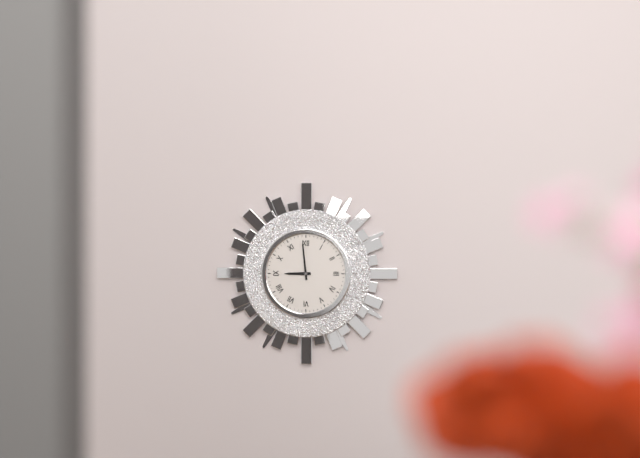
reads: 8,59
